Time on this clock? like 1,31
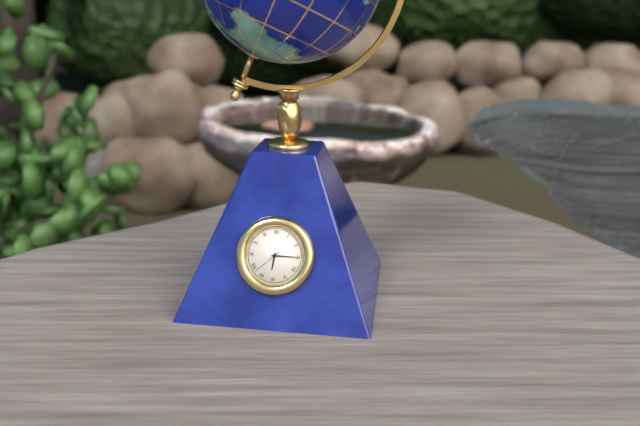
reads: 6,15
